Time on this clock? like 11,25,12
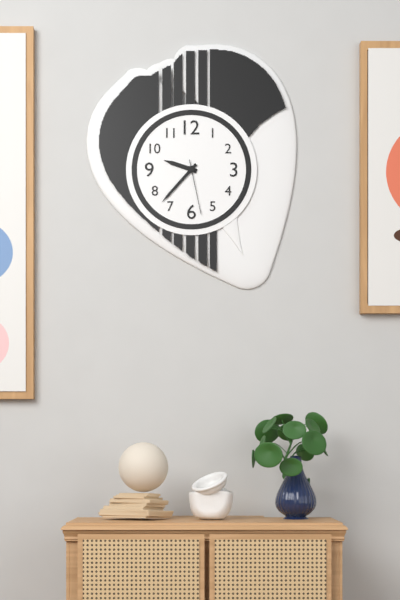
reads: 9,37,28
